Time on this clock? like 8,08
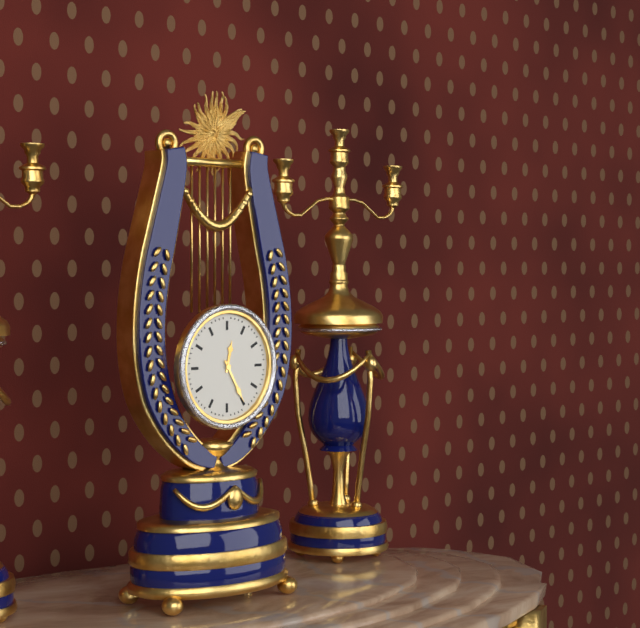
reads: 12,25
